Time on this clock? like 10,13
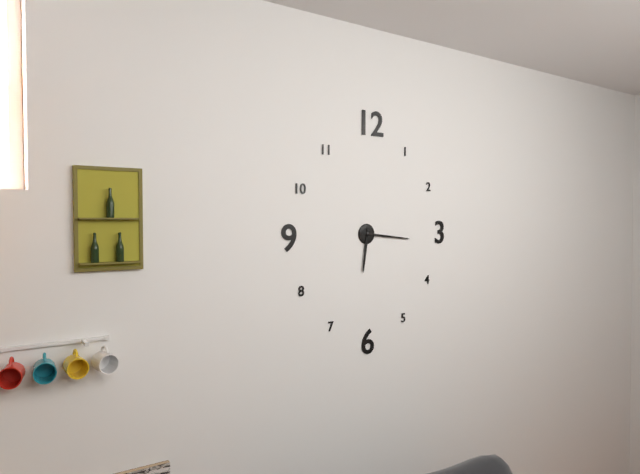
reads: 6,16
